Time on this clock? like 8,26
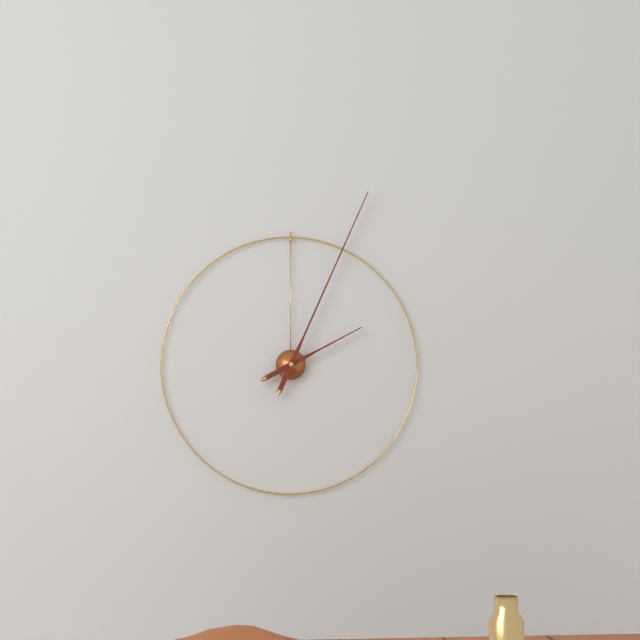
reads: 2,04
